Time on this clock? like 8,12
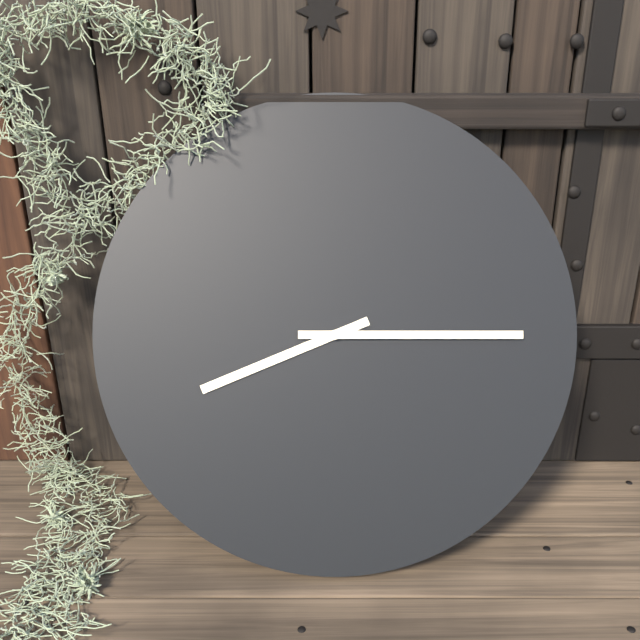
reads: 8,15
